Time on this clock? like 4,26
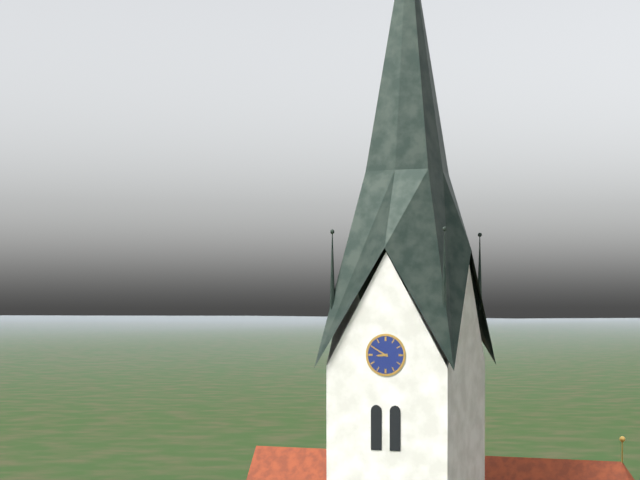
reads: 8,50
